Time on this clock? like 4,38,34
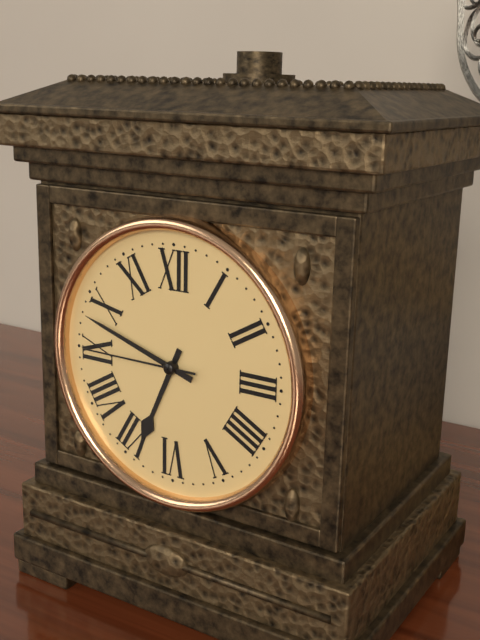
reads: 6,48,45
